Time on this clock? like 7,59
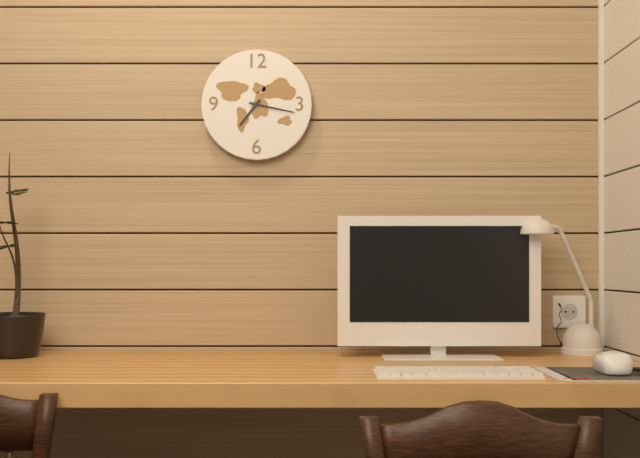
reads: 7,17
